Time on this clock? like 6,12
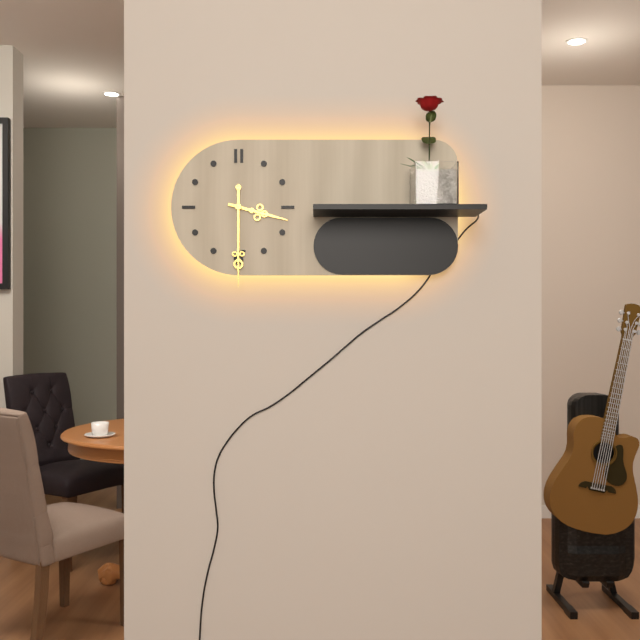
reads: 3,30
